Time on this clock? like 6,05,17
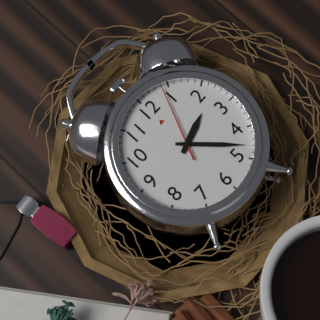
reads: 2,23,04
